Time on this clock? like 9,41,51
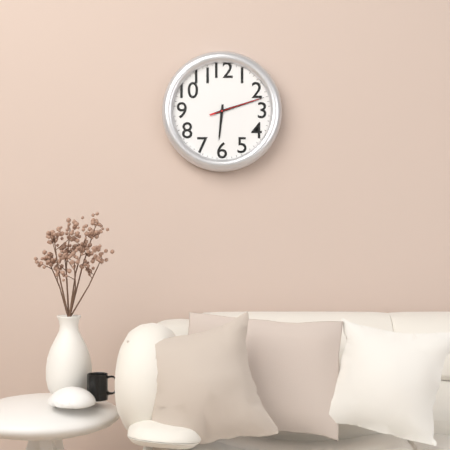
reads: 6,12,12
